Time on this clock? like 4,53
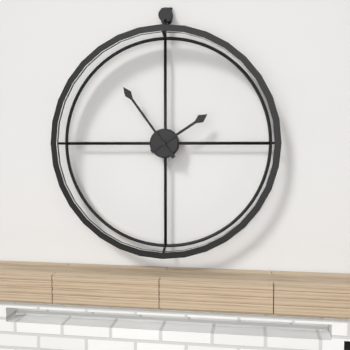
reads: 1,54
